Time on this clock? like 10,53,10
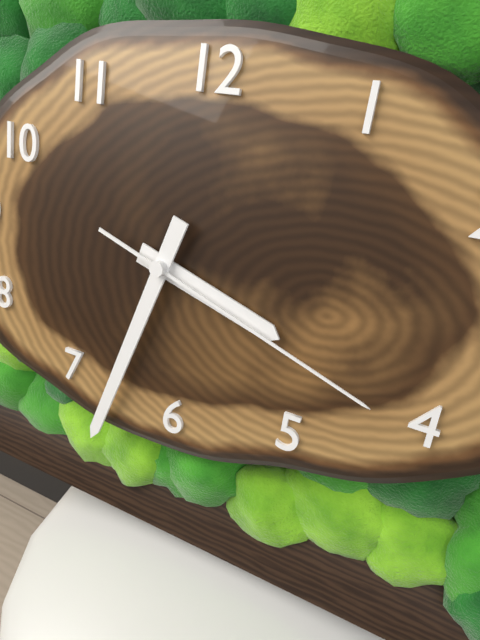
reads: 3,33,18
